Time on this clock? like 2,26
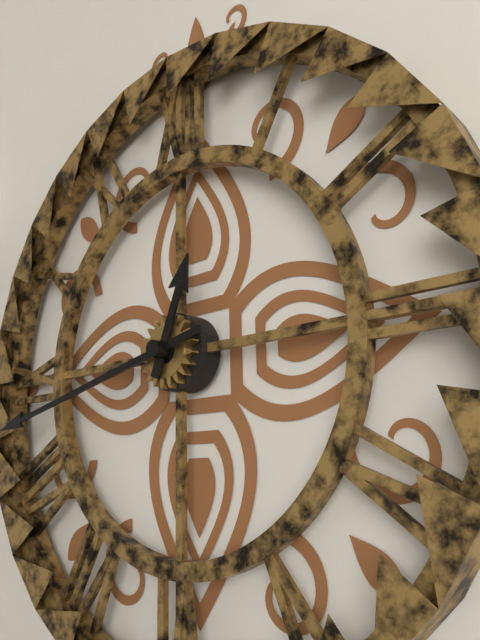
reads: 12,43
